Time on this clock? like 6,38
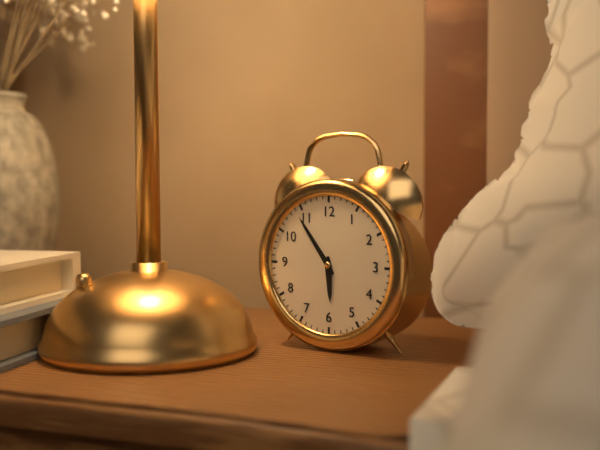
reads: 5,54
